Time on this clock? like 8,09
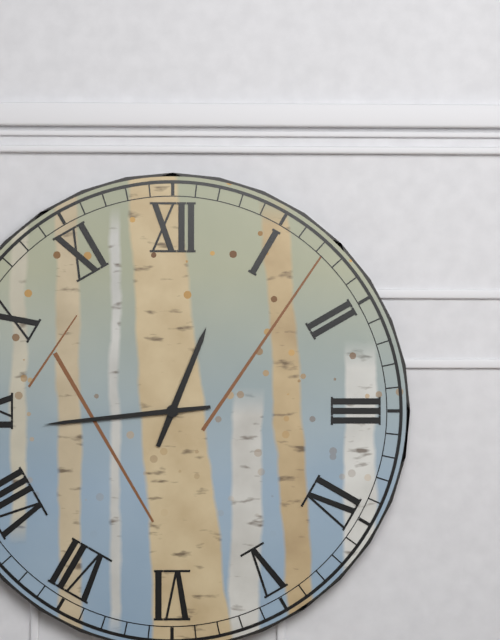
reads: 12,44
